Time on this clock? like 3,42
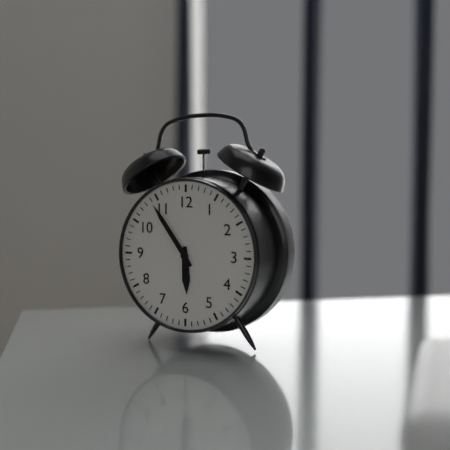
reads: 5,54
